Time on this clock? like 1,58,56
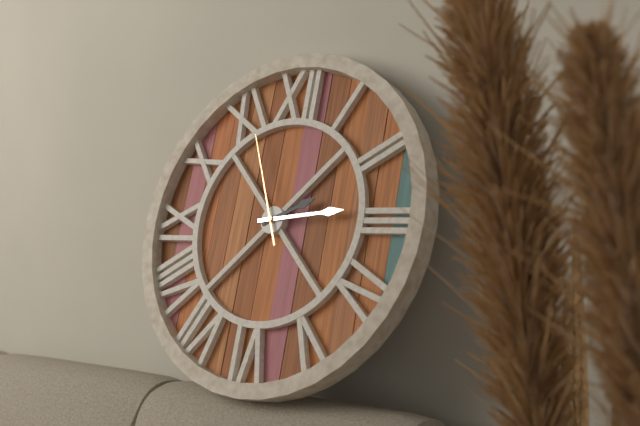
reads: 2,14,56
